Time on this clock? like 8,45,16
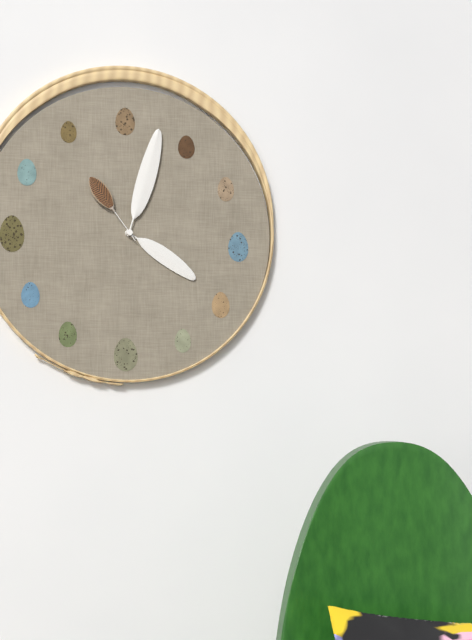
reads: 4,03,54
